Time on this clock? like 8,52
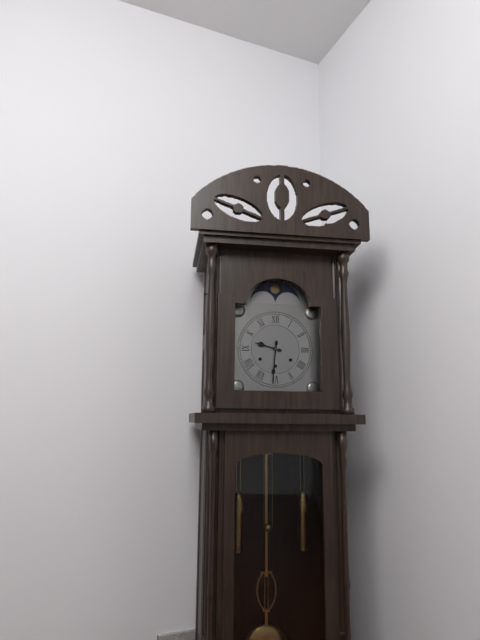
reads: 9,31
